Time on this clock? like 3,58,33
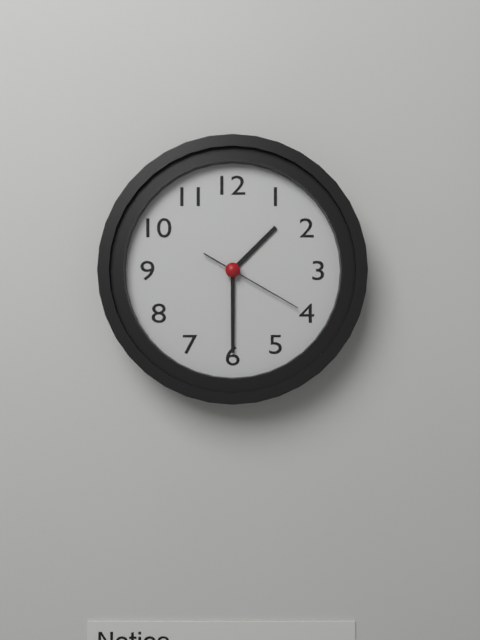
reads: 1,30,20
